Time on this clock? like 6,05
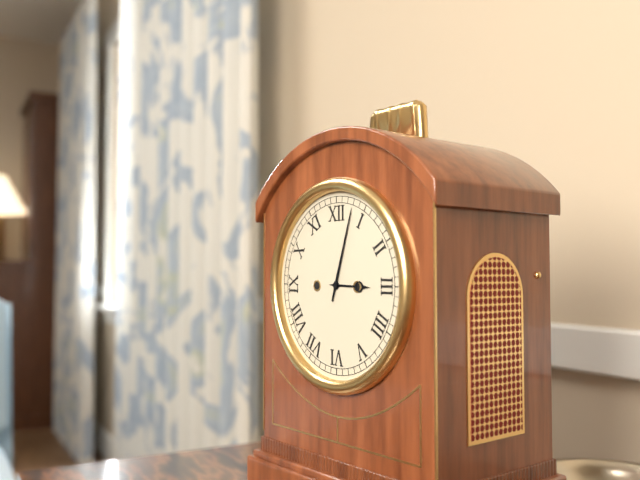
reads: 3,03
